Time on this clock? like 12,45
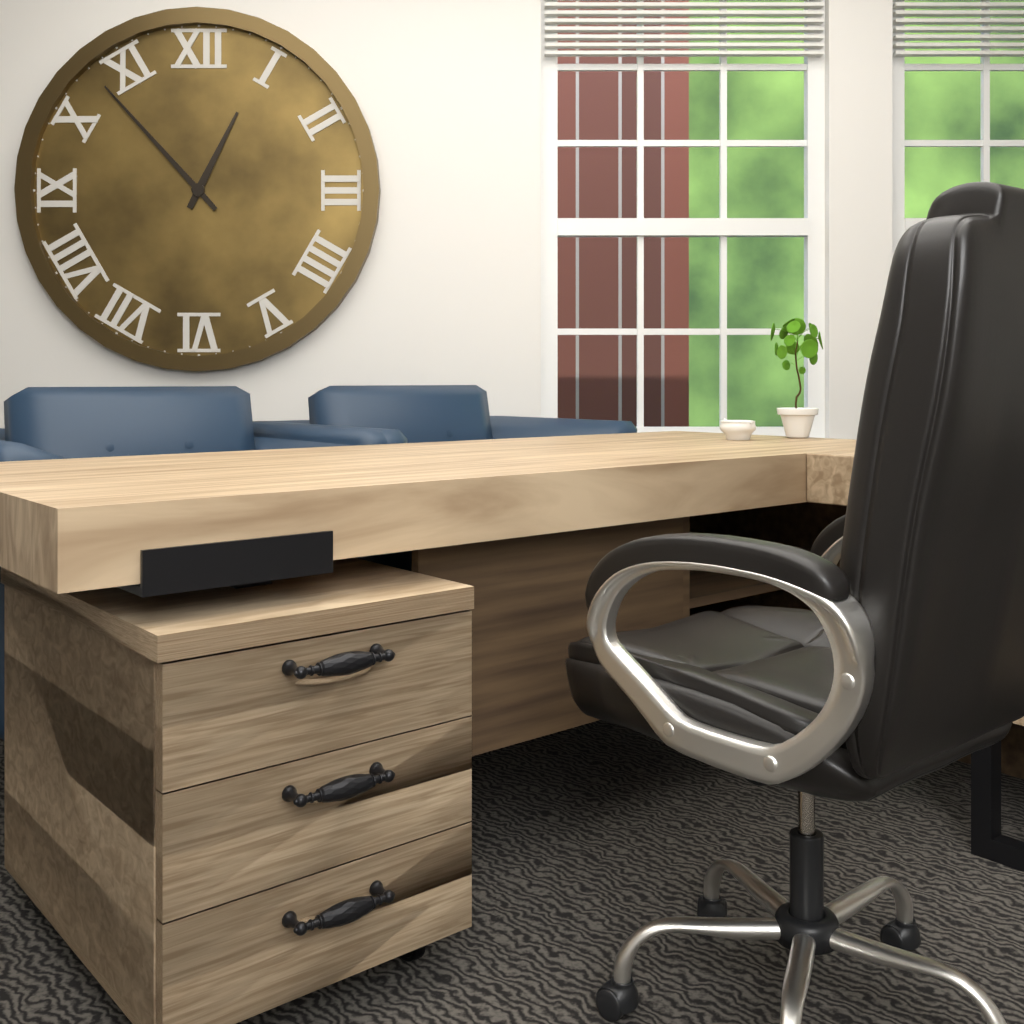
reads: 12,53
